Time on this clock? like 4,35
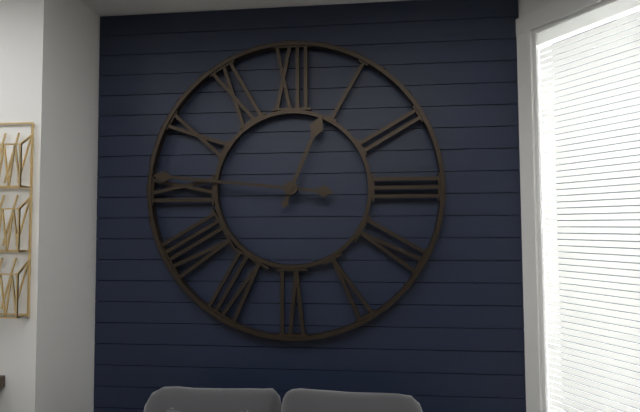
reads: 12,46
